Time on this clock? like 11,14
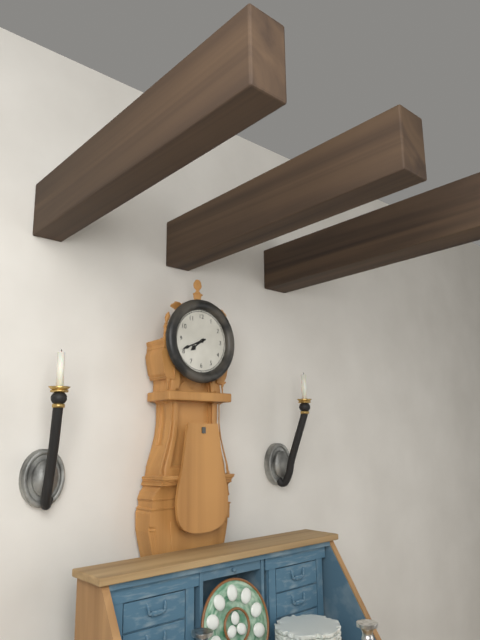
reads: 7,41
